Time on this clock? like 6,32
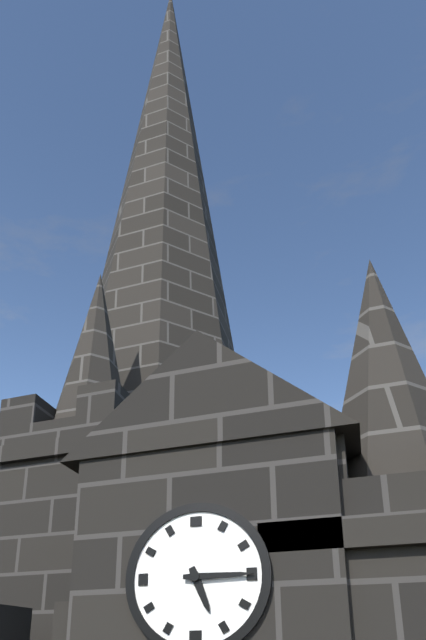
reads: 5,15
